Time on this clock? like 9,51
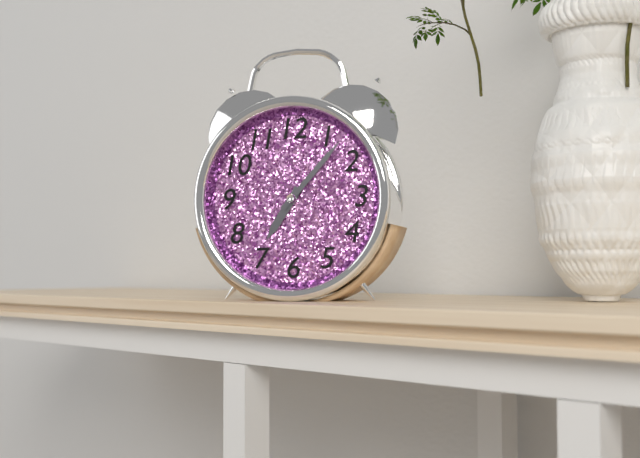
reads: 7,07
